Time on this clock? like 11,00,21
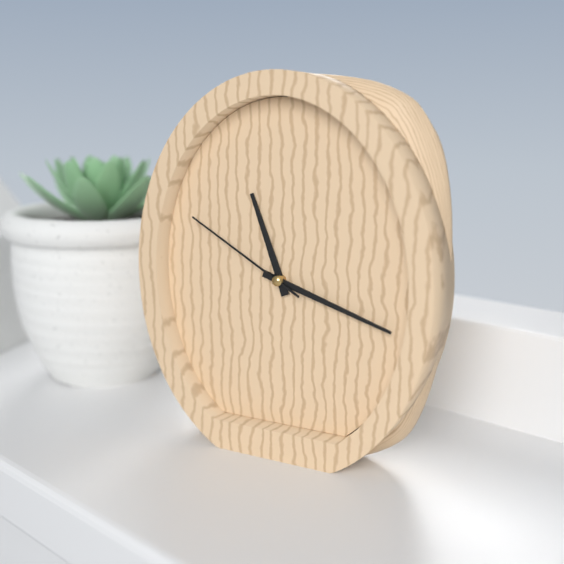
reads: 11,18,50
